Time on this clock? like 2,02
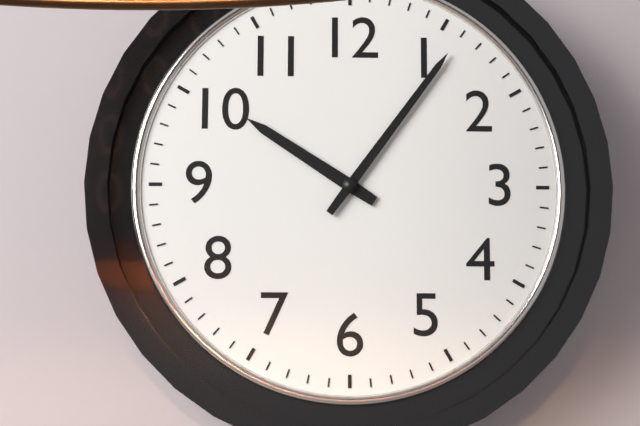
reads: 10,06
